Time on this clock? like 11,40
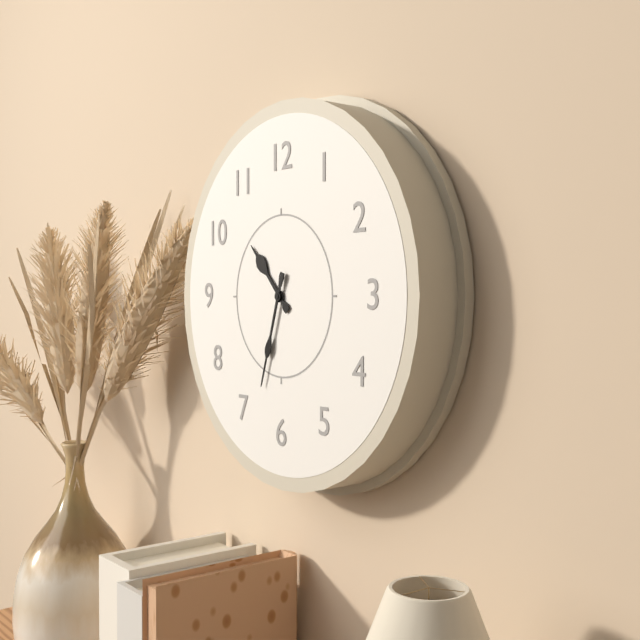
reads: 10,33
